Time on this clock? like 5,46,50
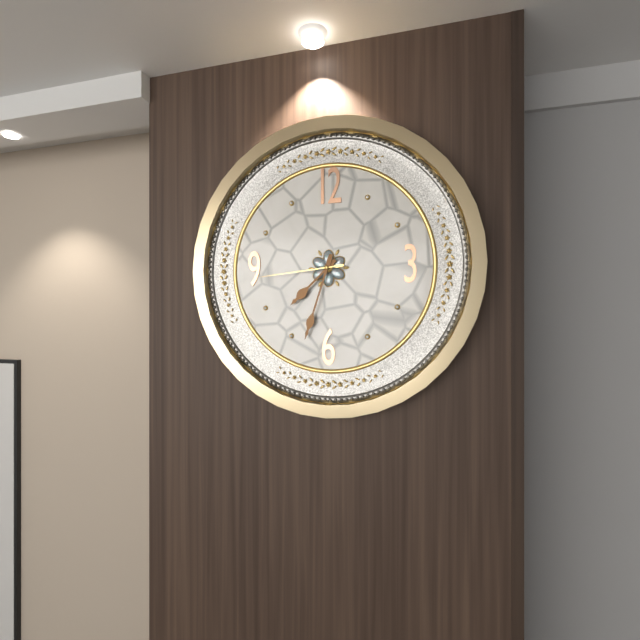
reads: 7,33,44
